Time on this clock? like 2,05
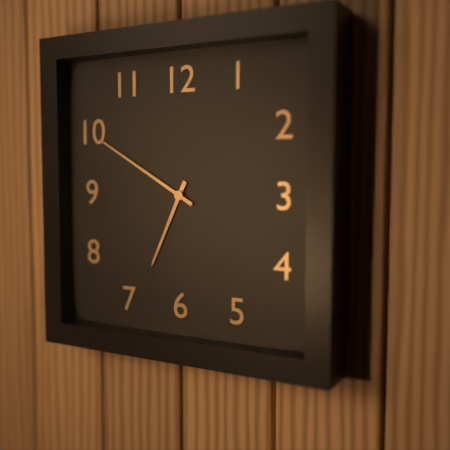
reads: 6,50
